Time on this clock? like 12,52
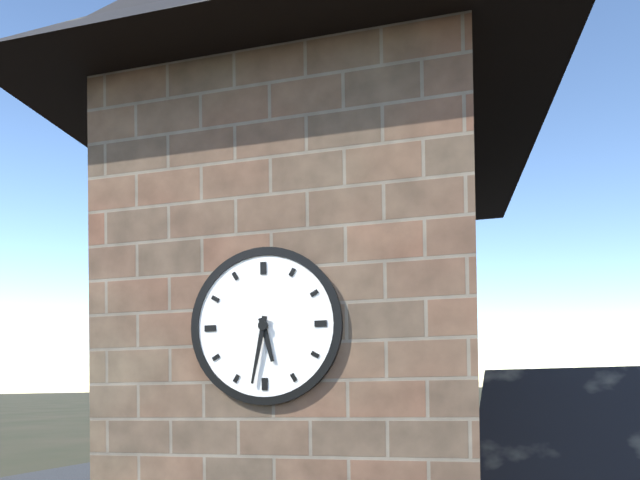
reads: 5,32
